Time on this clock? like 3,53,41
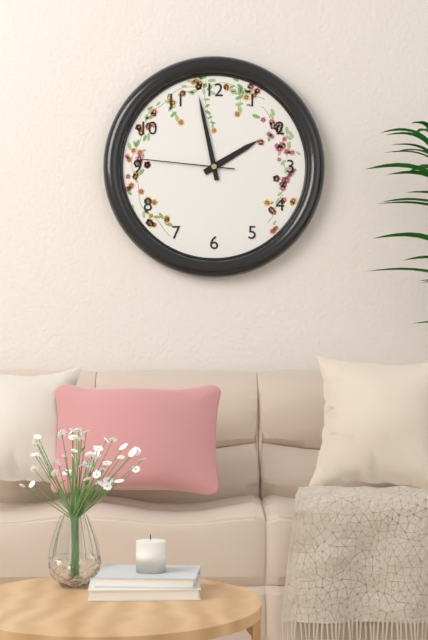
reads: 1,58,46
